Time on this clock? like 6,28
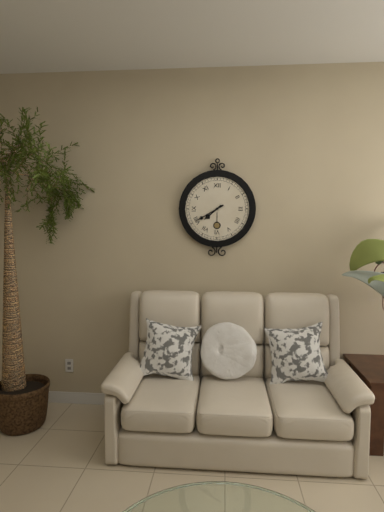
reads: 7,40
